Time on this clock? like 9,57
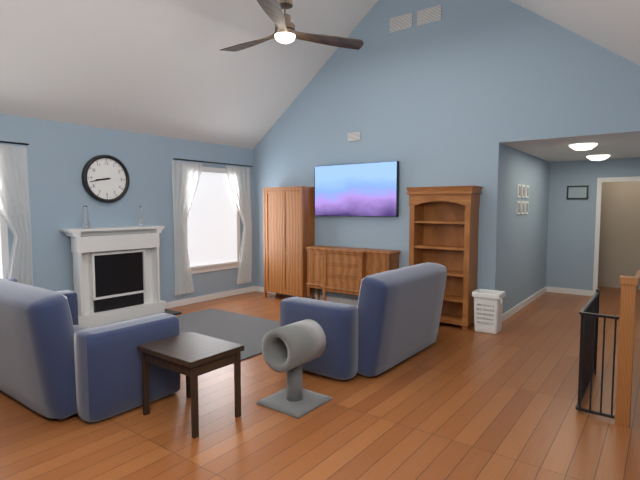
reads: 8,43
